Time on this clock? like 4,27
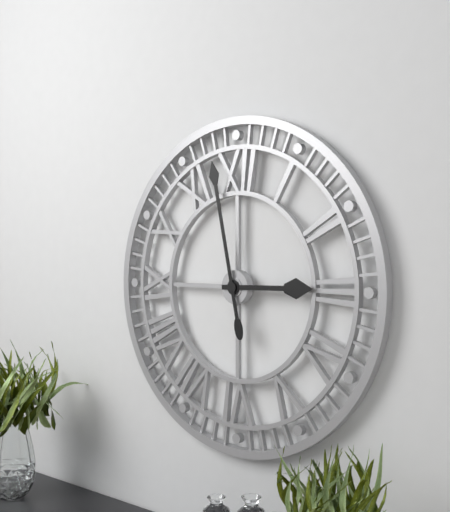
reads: 2,58
